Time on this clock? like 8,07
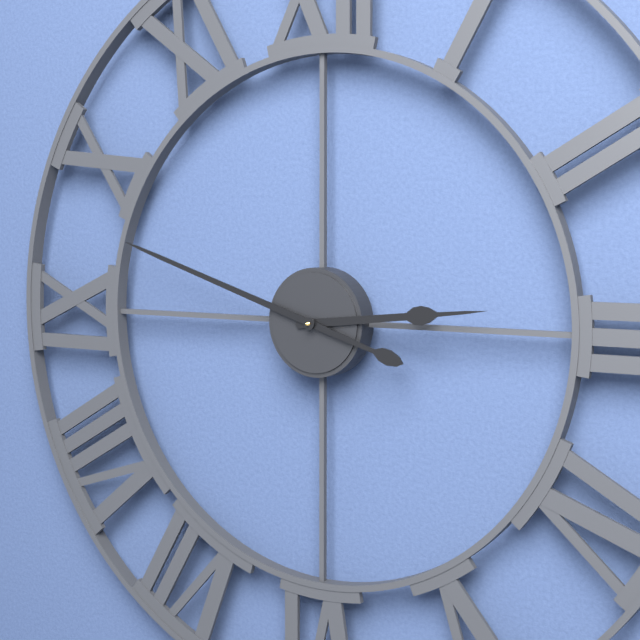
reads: 2,48
